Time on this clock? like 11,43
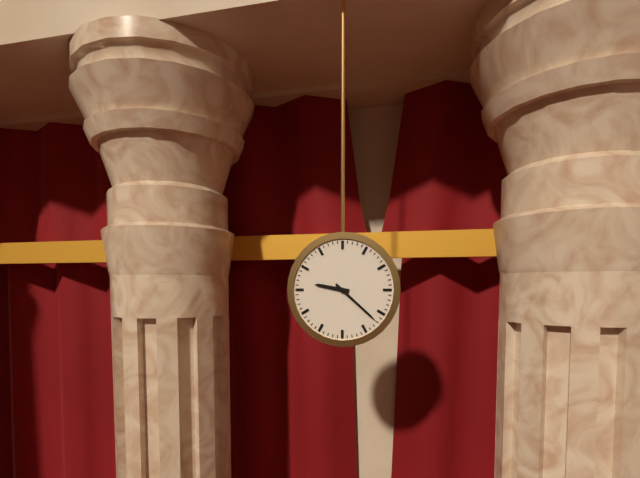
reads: 9,22
